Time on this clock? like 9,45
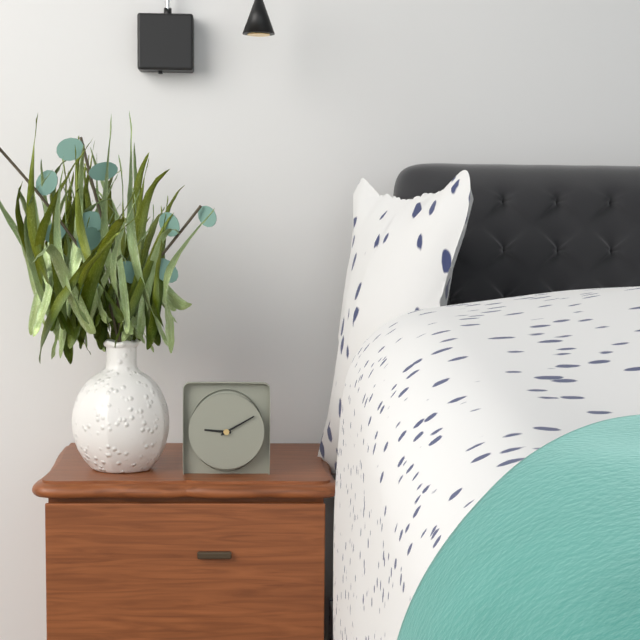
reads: 9,10
